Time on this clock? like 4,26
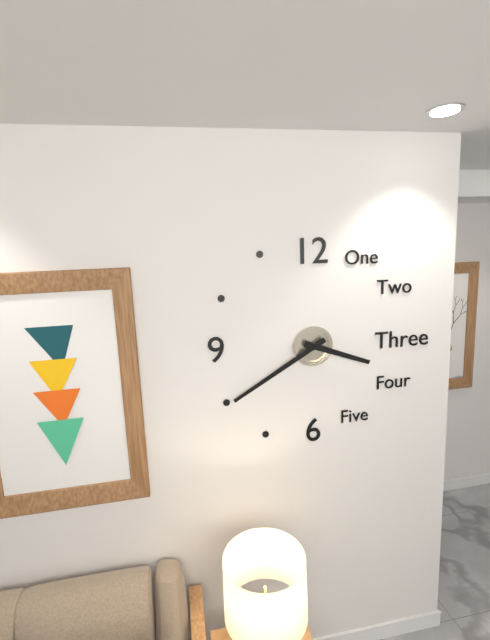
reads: 3,40
